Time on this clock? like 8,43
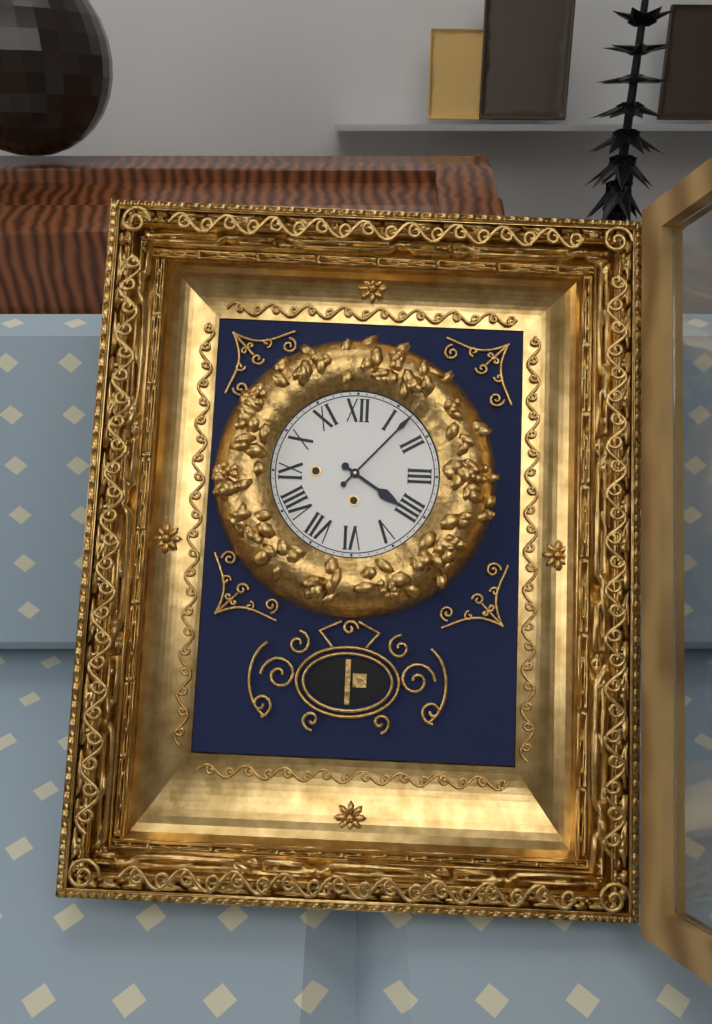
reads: 4,07
